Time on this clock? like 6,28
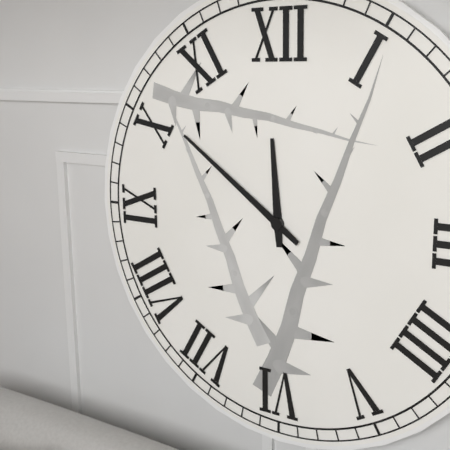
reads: 11,51
